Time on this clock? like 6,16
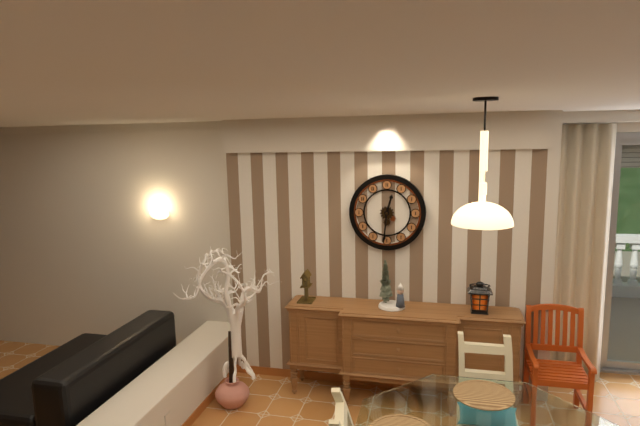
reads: 12,31
